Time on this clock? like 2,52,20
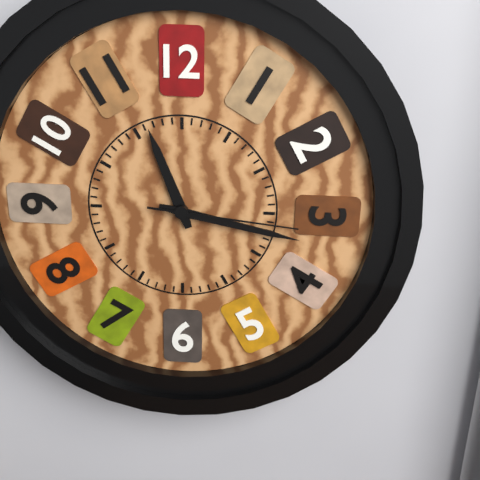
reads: 11,17,16
